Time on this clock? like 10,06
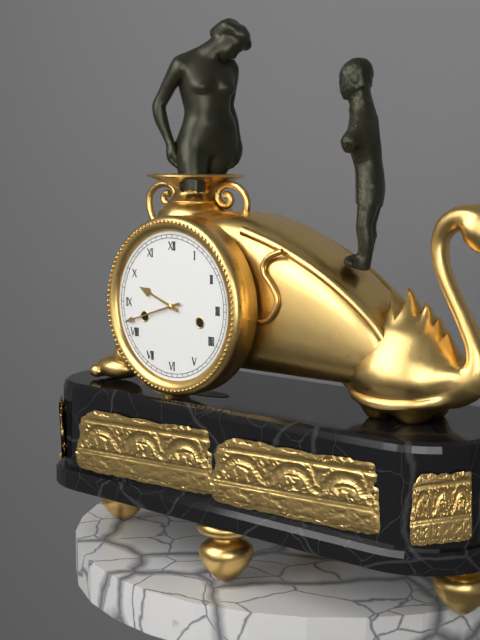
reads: 9,42
